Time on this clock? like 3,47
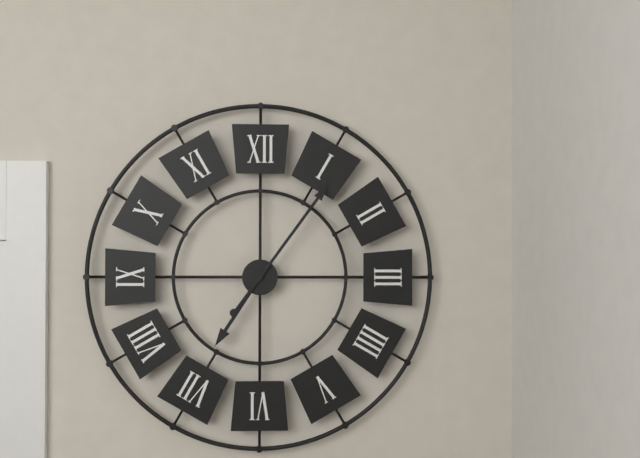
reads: 7,06
